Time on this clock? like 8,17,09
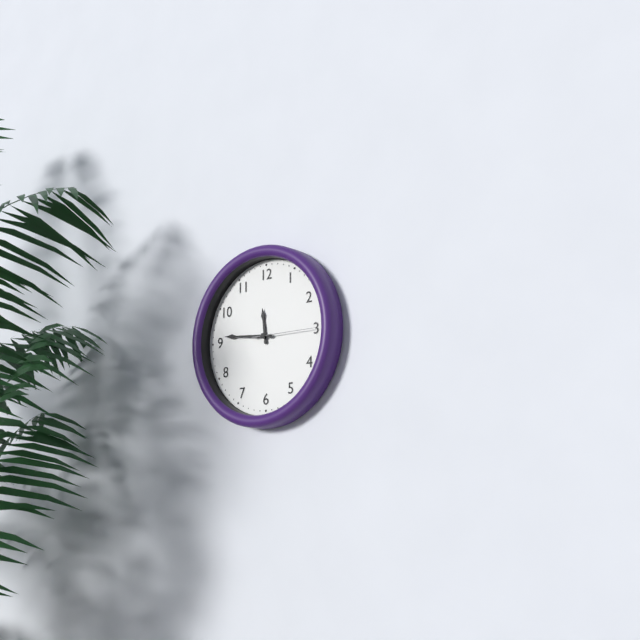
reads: 11,46,15
